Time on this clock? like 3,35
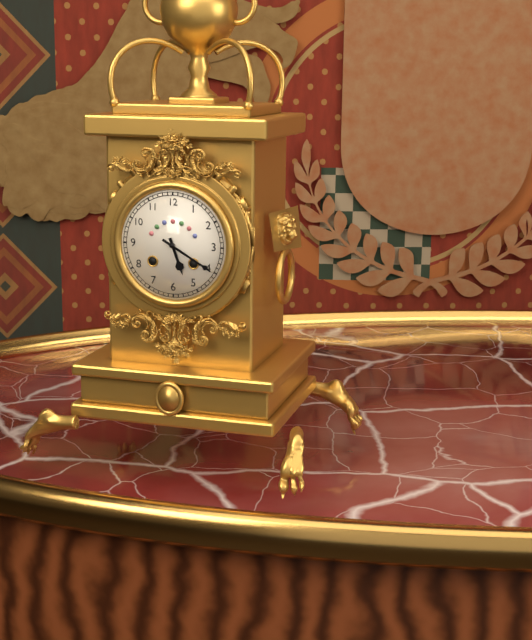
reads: 5,20
